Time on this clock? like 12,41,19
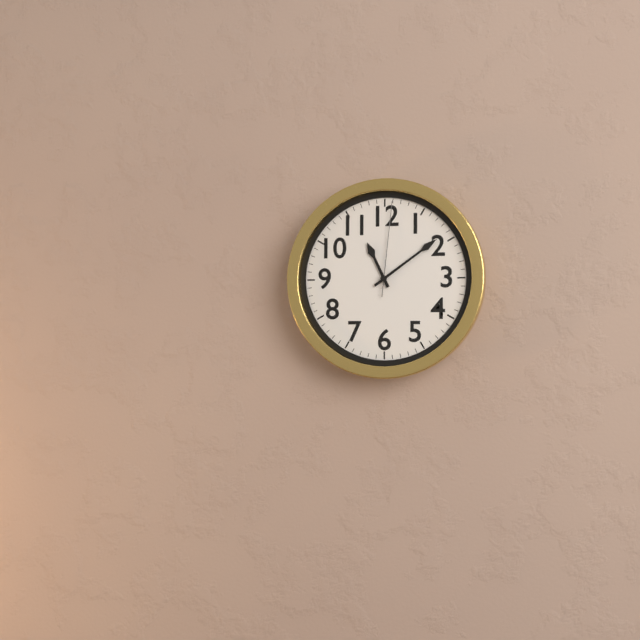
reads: 11,09,01
